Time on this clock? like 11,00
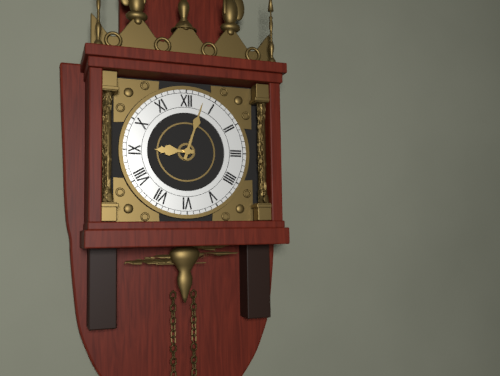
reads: 9,03
